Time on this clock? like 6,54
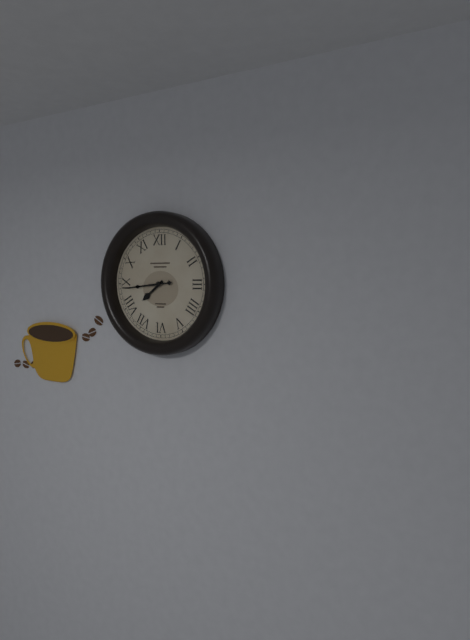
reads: 7,44
